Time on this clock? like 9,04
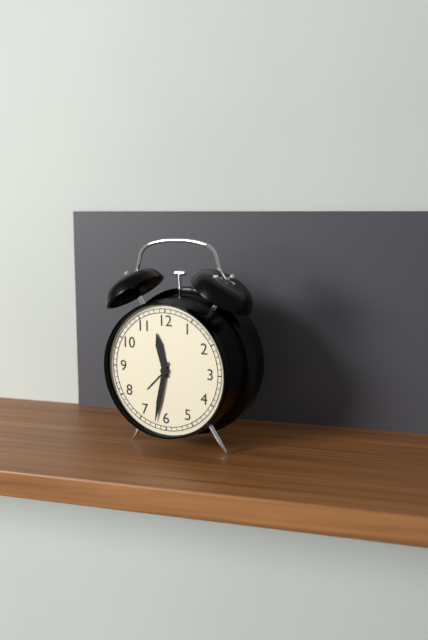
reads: 11,32
